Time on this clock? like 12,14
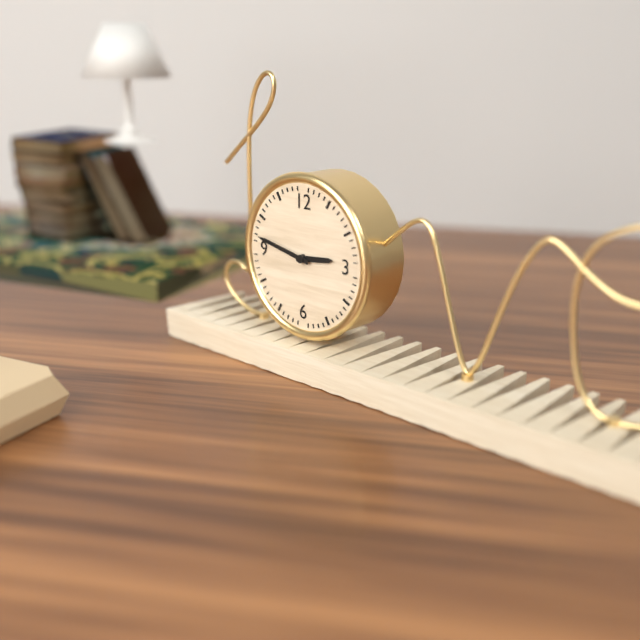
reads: 2,47
